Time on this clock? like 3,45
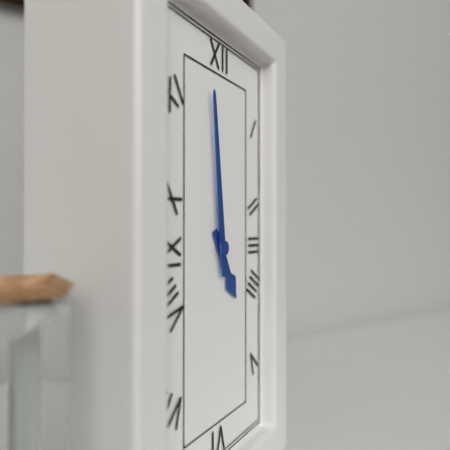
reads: 4,59
